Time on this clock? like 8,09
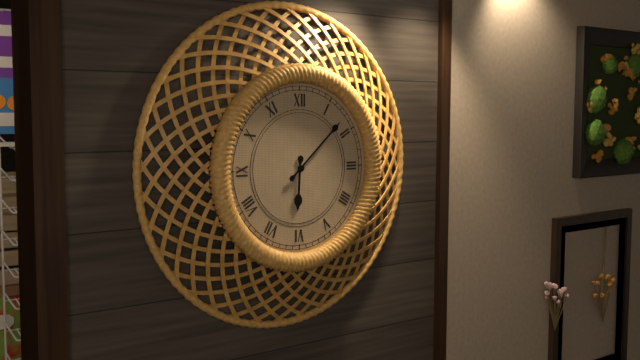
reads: 6,08
